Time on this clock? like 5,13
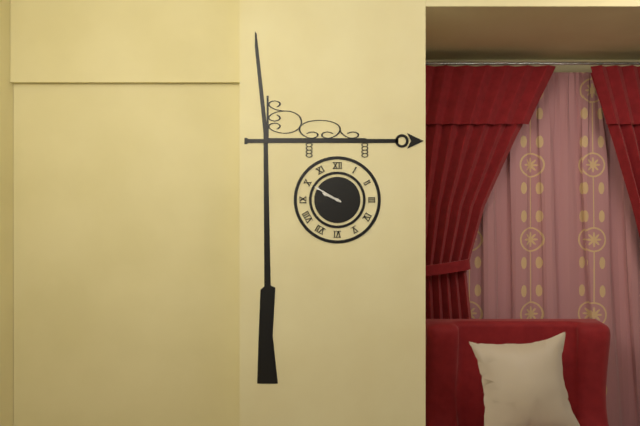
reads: 9,50
